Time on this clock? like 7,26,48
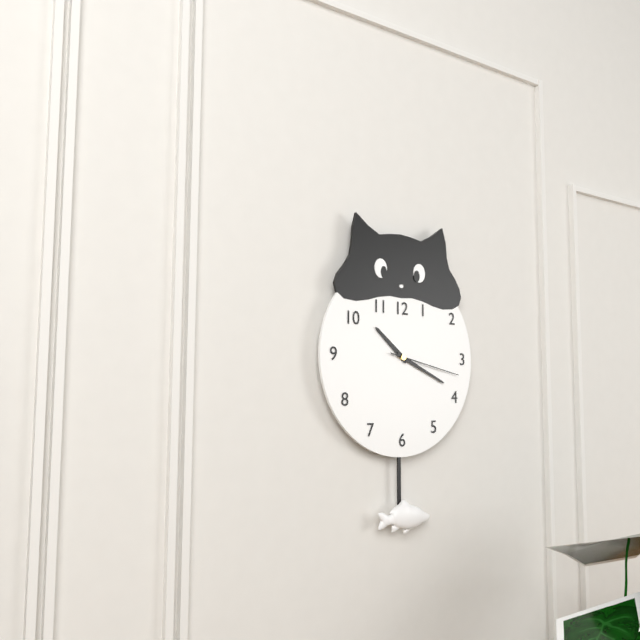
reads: 10,19,17
